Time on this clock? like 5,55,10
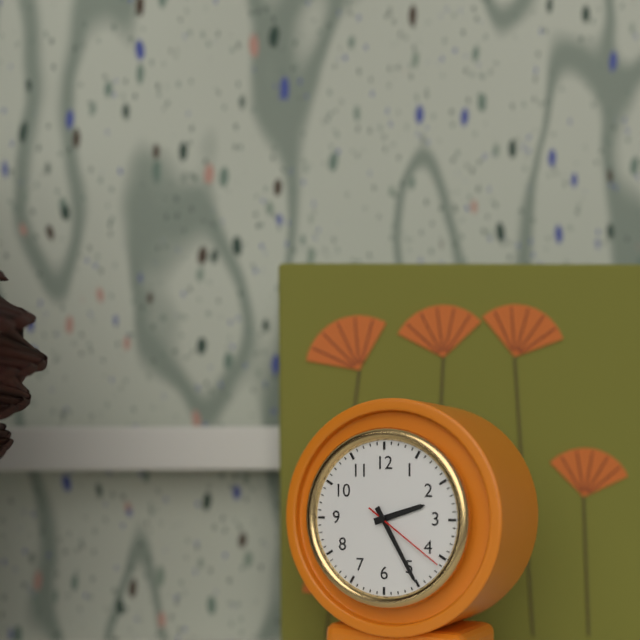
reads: 2,25,21
